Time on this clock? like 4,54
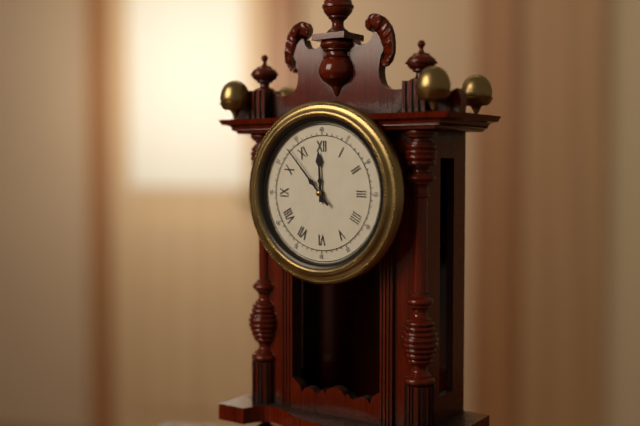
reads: 11,53
